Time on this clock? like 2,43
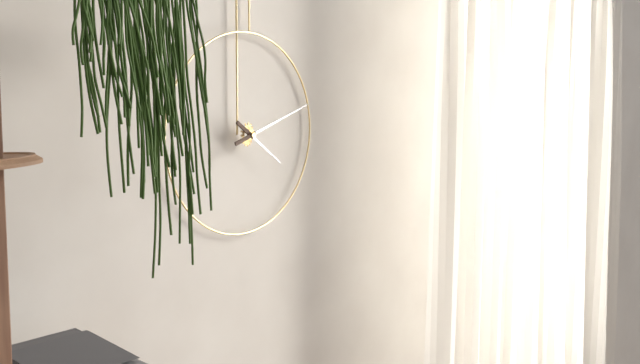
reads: 4,12
